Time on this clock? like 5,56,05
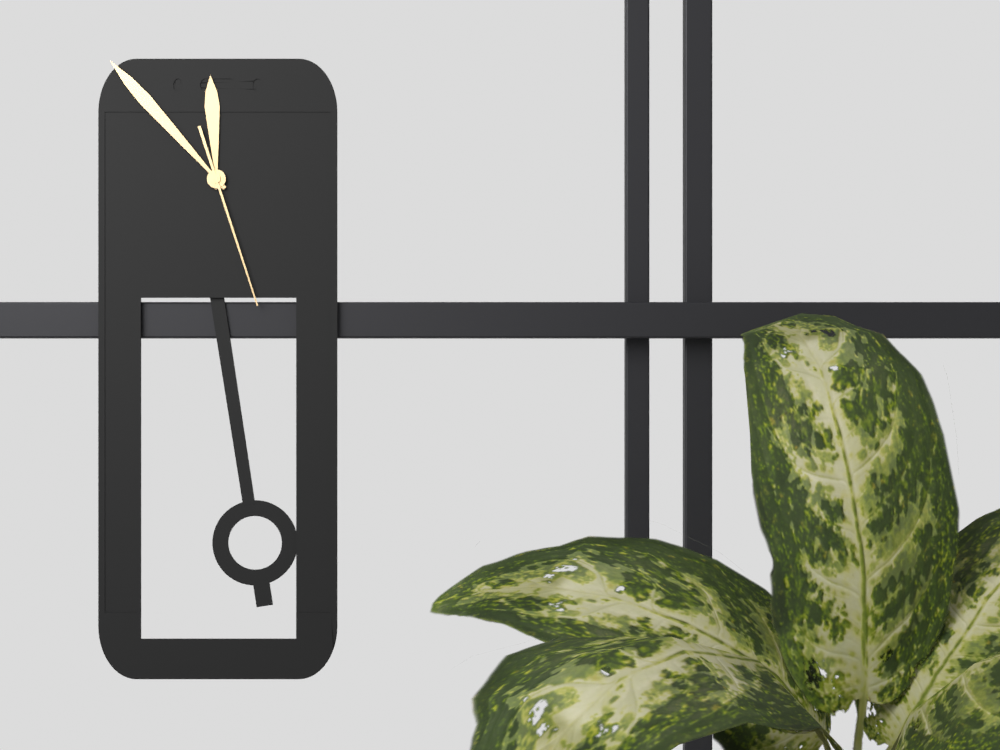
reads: 11,53,27
